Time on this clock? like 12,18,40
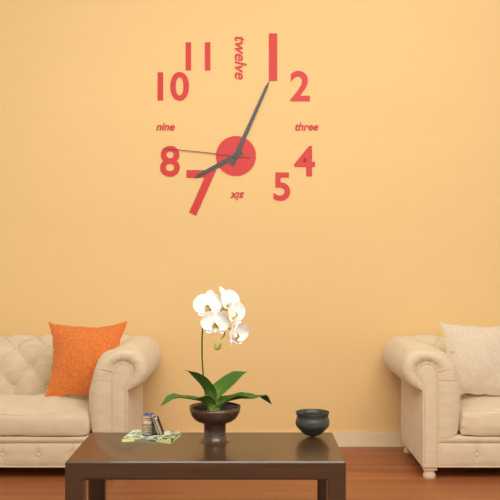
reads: 8,04,46
